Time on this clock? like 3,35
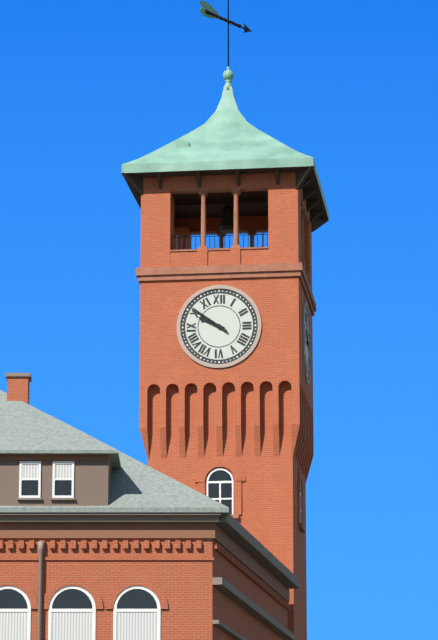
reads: 9,51
